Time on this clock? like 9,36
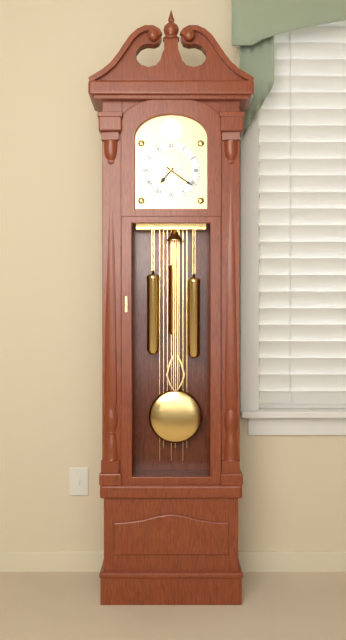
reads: 7,21
